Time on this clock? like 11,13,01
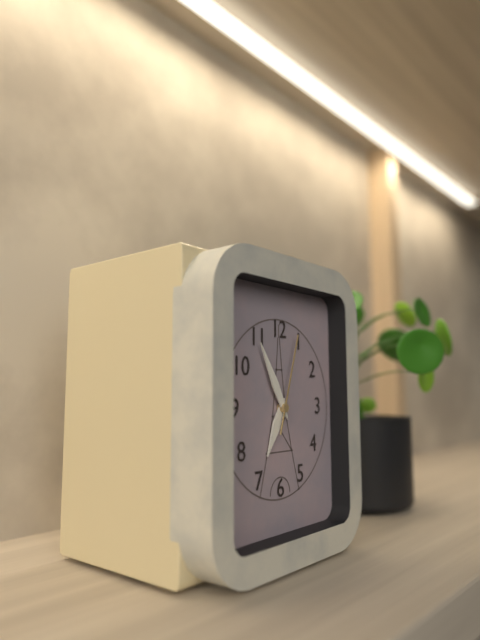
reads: 6,55,03
